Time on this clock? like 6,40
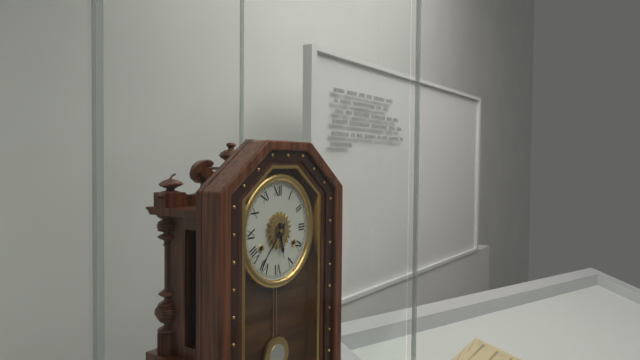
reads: 5,37
